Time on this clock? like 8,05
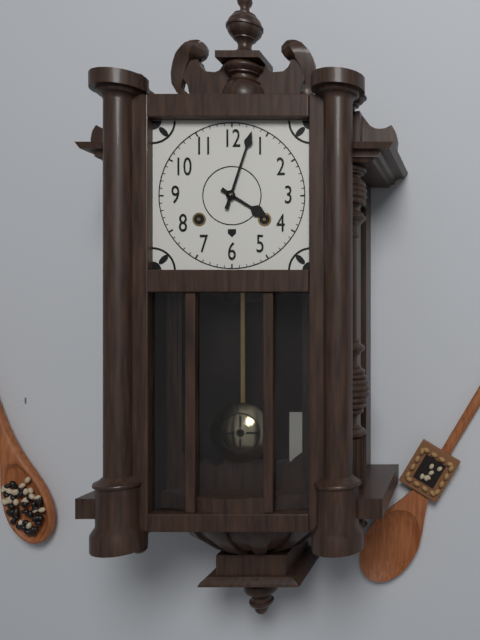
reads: 4,03
